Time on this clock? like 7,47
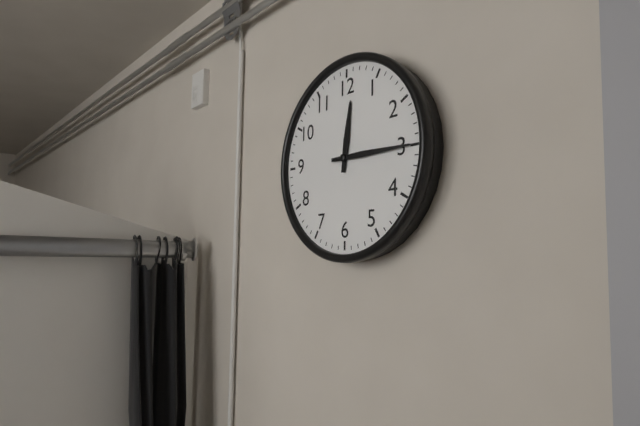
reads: 12,15
